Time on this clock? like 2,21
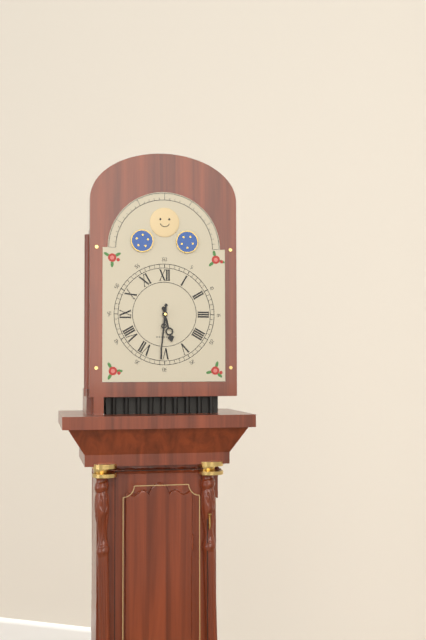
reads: 5,31
